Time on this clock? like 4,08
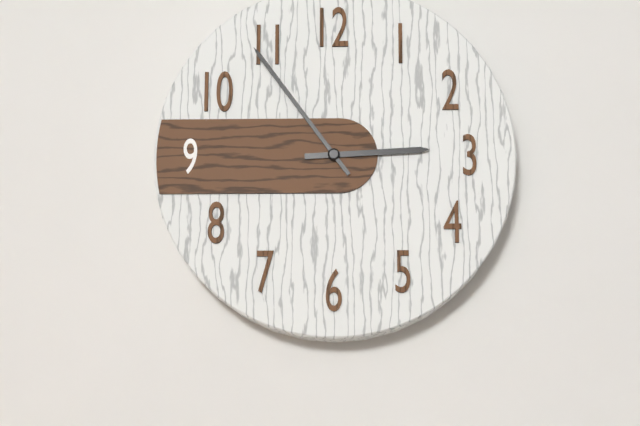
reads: 2,54
